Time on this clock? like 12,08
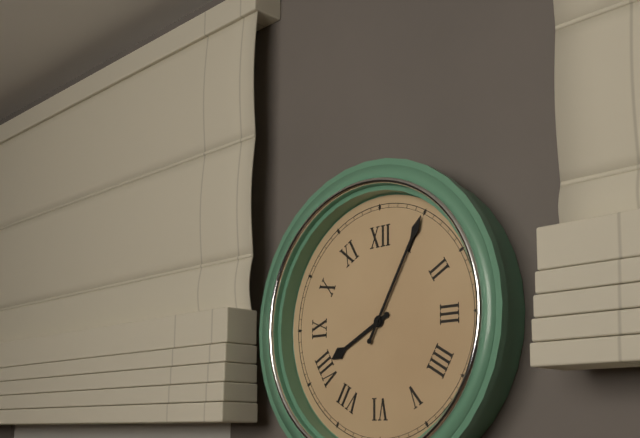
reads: 8,05
